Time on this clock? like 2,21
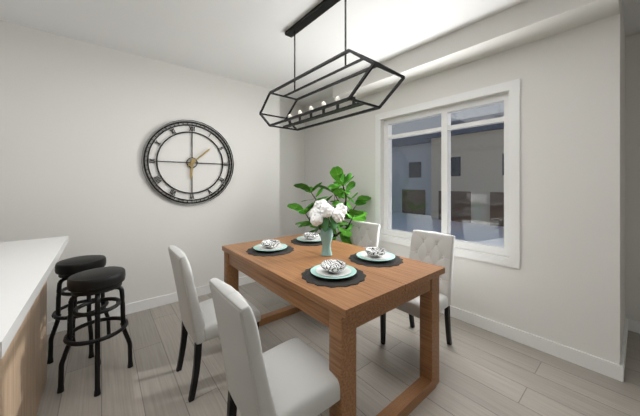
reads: 6,08
